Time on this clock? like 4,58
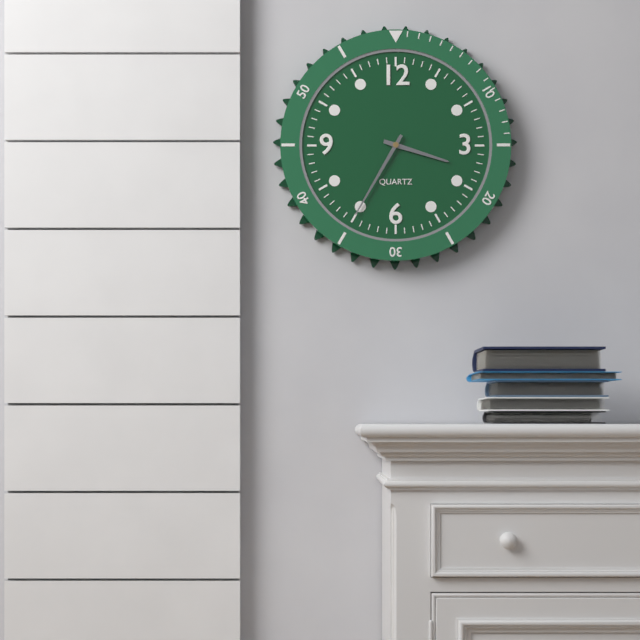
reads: 3,35
